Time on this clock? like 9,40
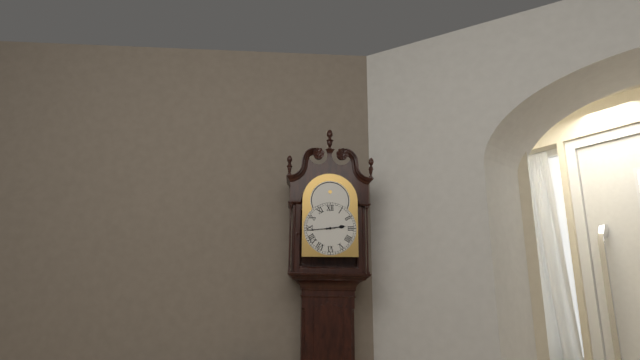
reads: 2,44
